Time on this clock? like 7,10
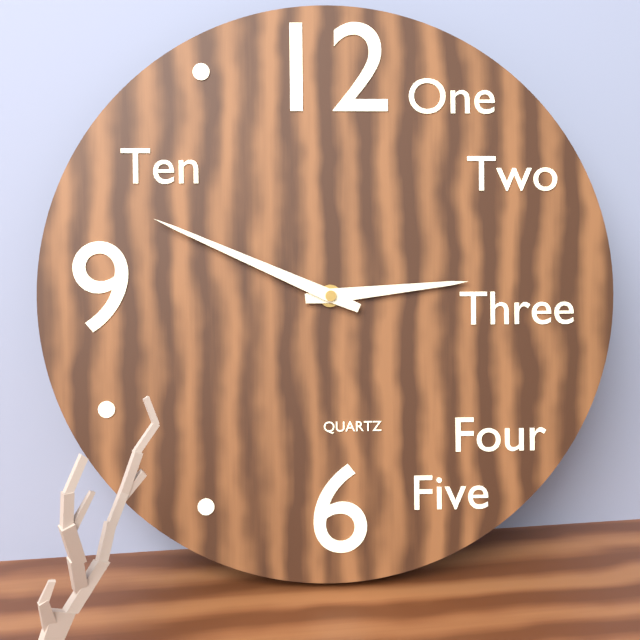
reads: 2,49
